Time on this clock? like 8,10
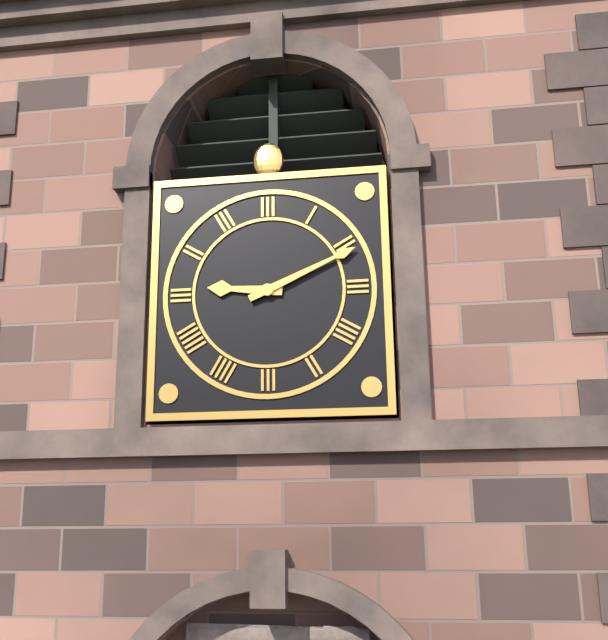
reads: 9,11
